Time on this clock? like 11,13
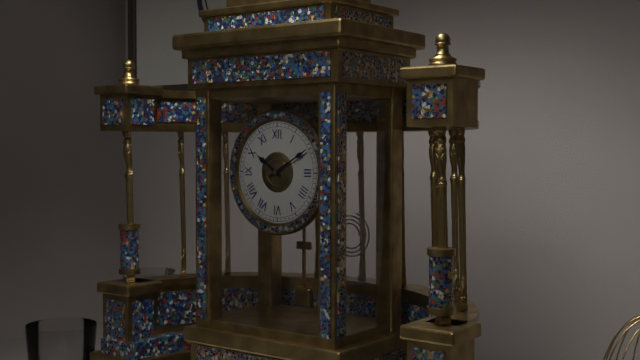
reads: 10,10
